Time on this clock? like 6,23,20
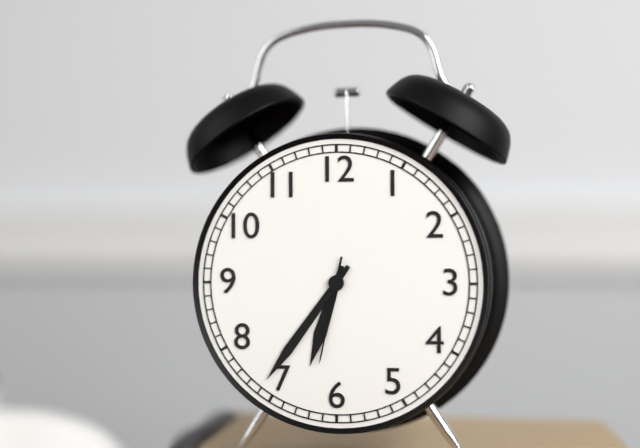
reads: 6,36,32
